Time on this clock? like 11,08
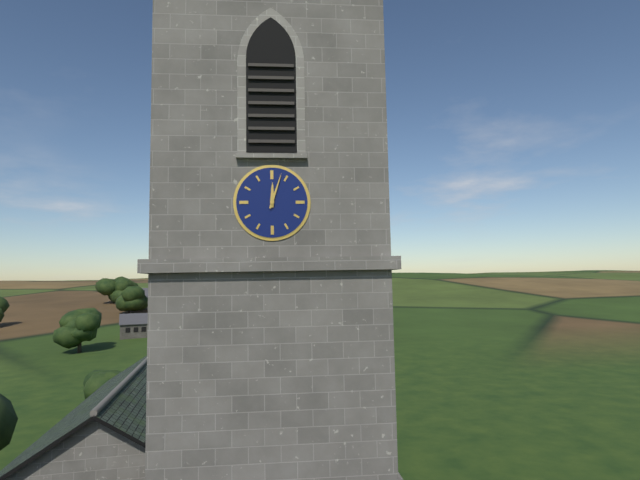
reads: 12,03
